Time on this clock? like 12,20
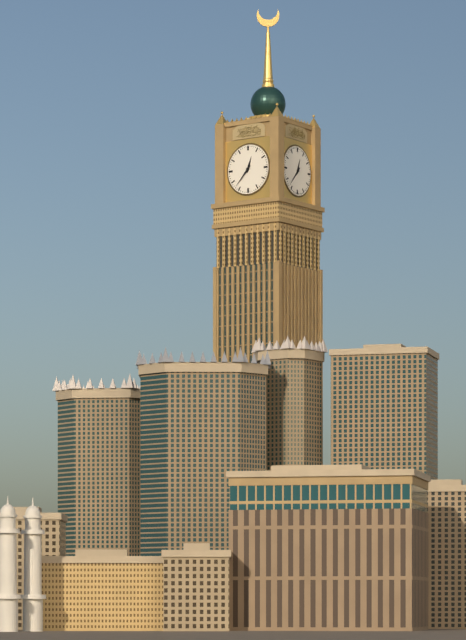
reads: 12,37
